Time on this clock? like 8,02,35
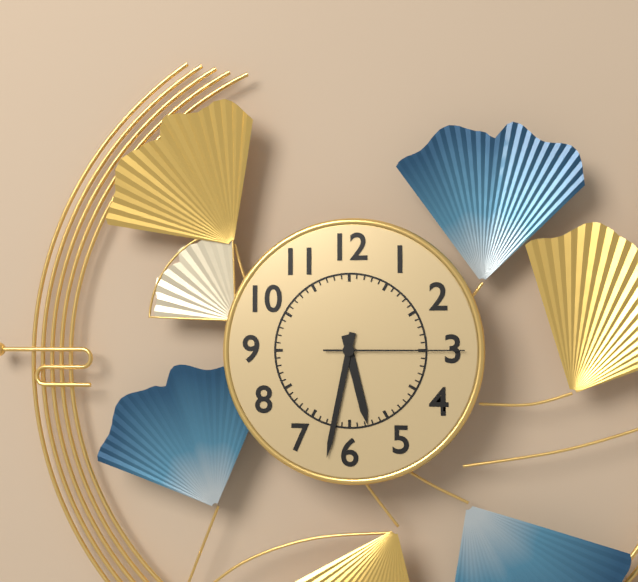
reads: 5,32,15
